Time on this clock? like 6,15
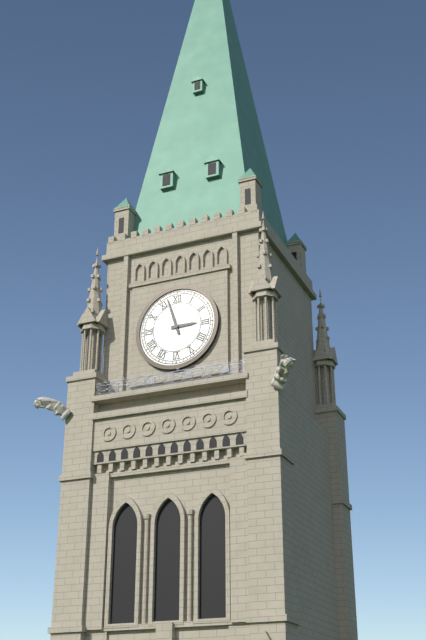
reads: 2,57
